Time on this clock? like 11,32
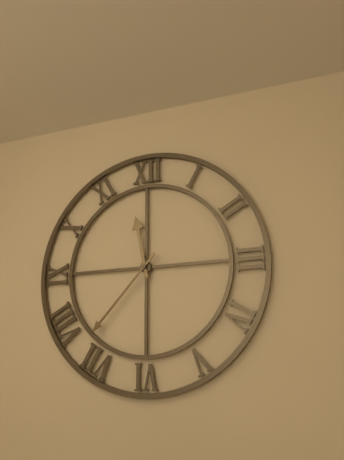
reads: 11,37
